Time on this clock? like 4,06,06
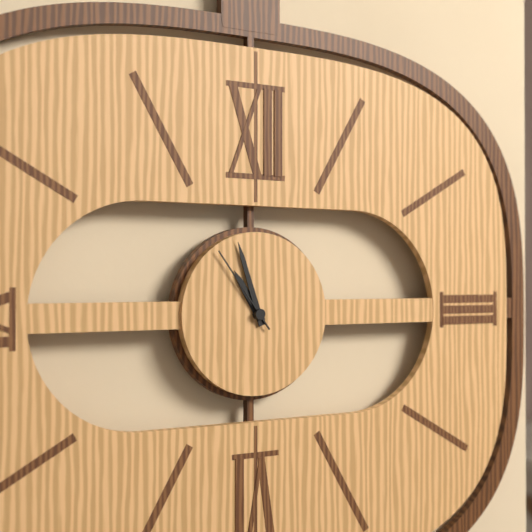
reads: 10,57,54
